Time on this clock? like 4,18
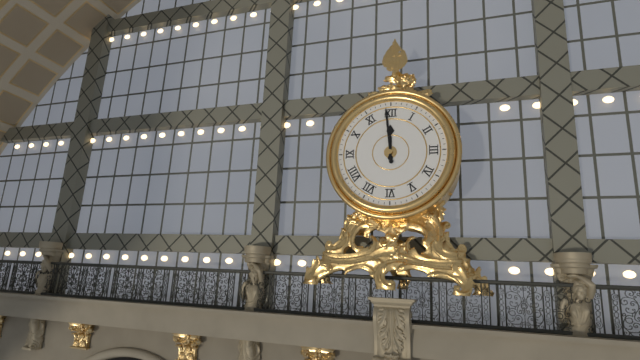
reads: 11,59
